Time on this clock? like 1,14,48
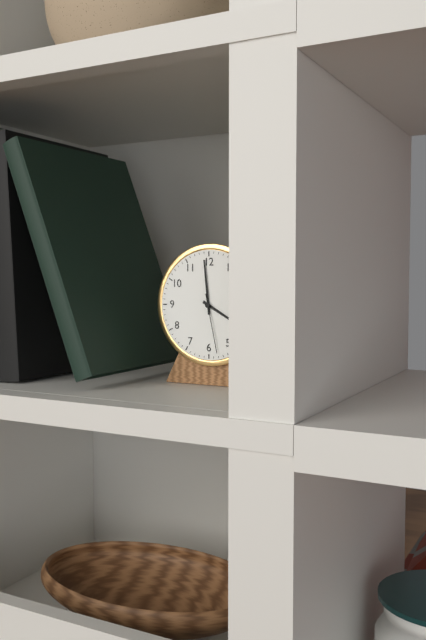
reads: 3,59,28
